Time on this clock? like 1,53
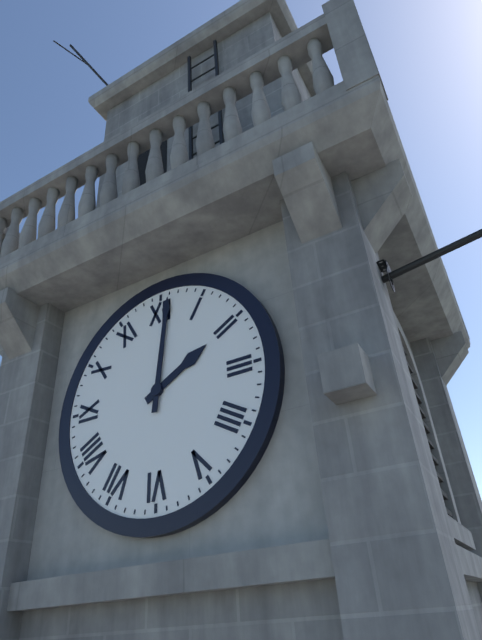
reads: 2,01
